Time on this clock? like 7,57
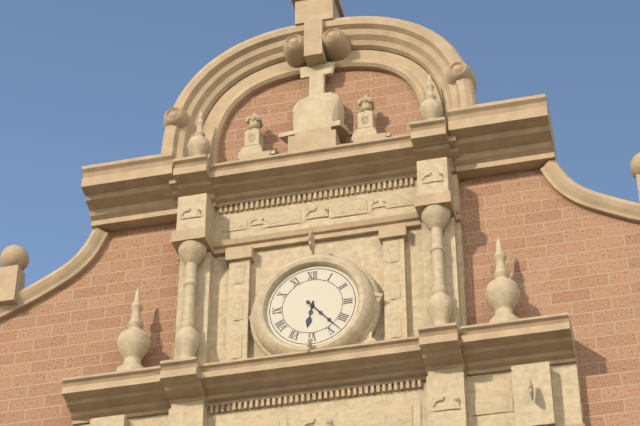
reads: 6,23
